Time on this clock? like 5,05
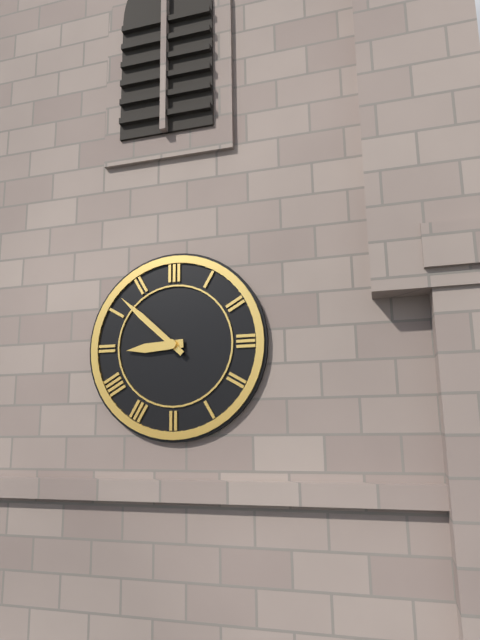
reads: 8,52
